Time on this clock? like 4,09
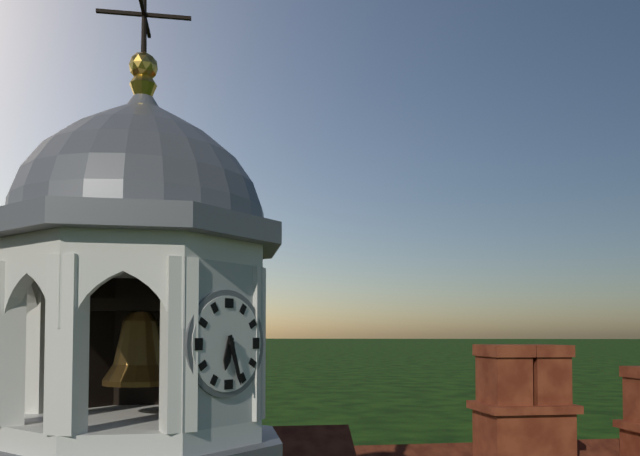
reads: 6,27
